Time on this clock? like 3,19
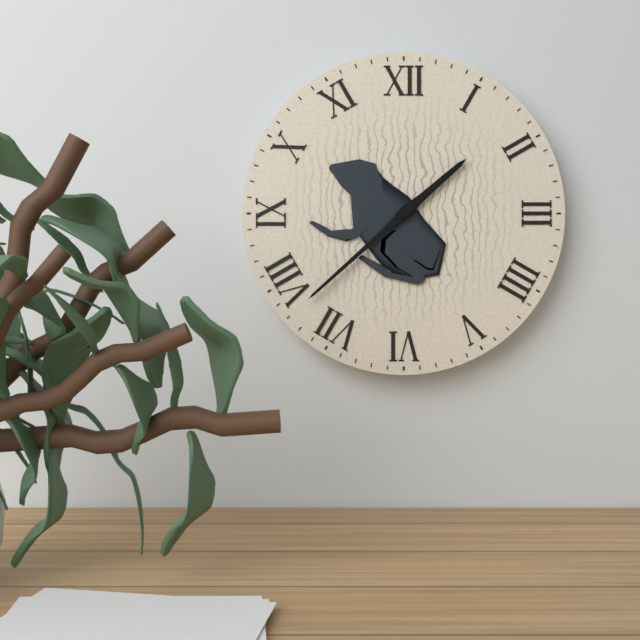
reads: 1,38
